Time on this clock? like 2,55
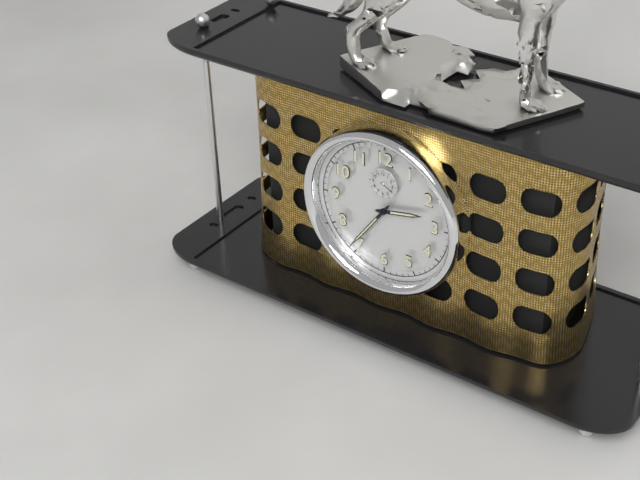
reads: 2,36
